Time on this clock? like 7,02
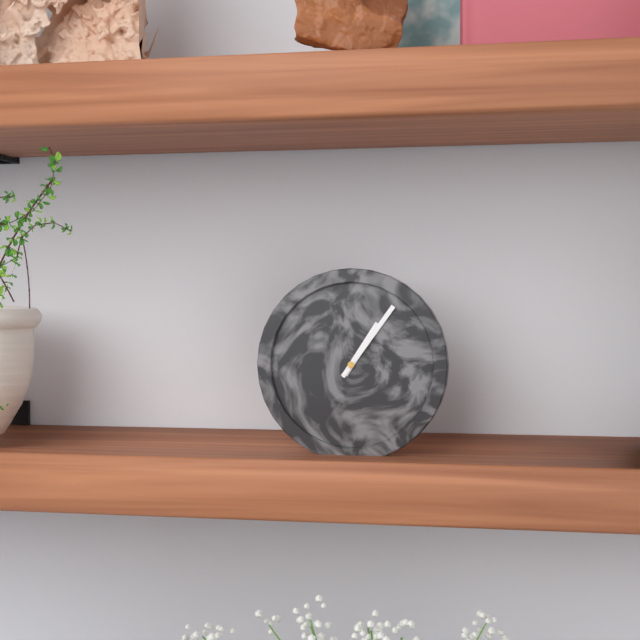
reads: 1,06
